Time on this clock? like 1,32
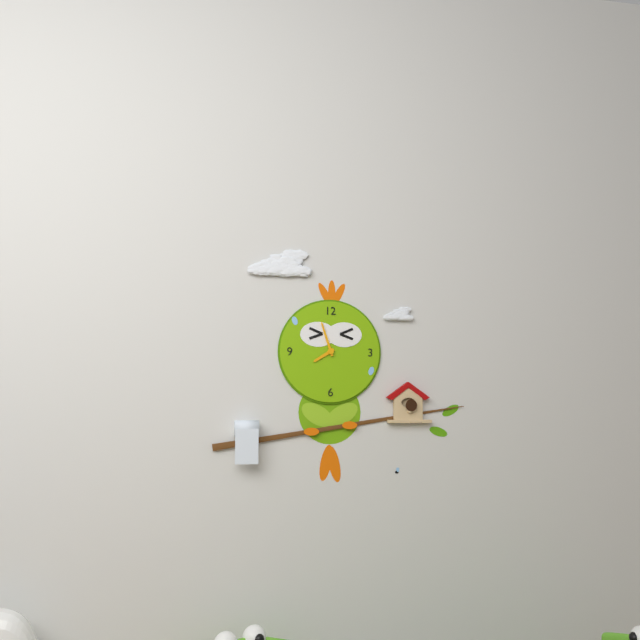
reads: 7,57
